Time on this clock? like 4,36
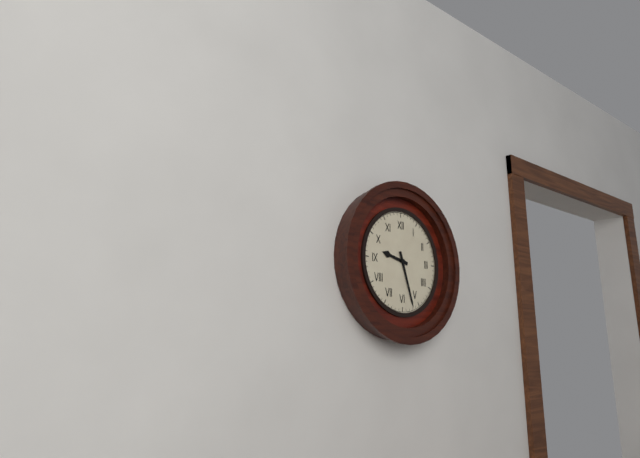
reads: 9,27
